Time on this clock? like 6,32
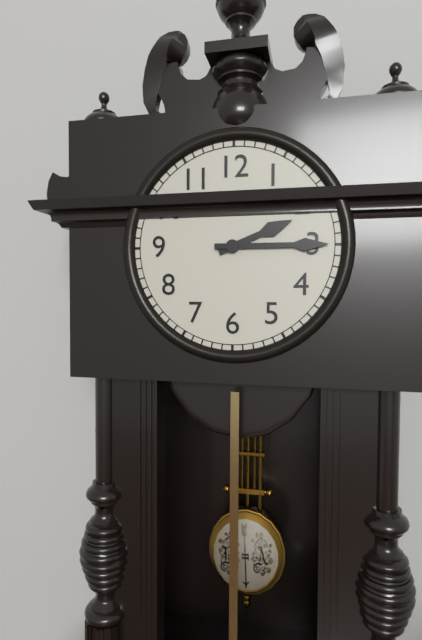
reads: 2,15
